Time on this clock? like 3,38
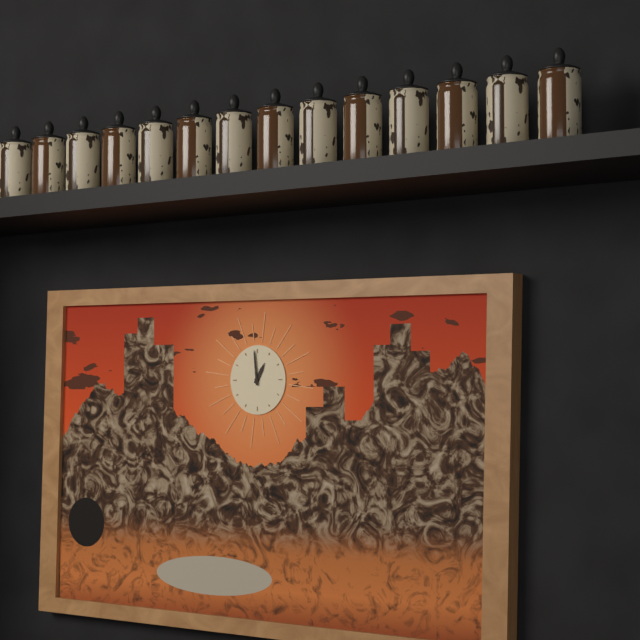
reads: 12,59
